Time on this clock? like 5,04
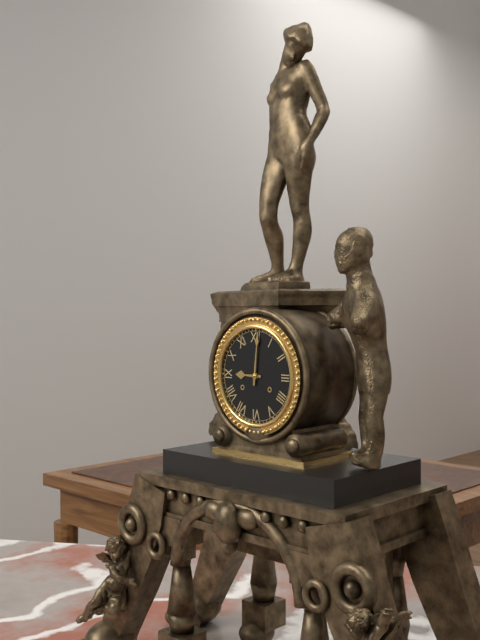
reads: 9,01
